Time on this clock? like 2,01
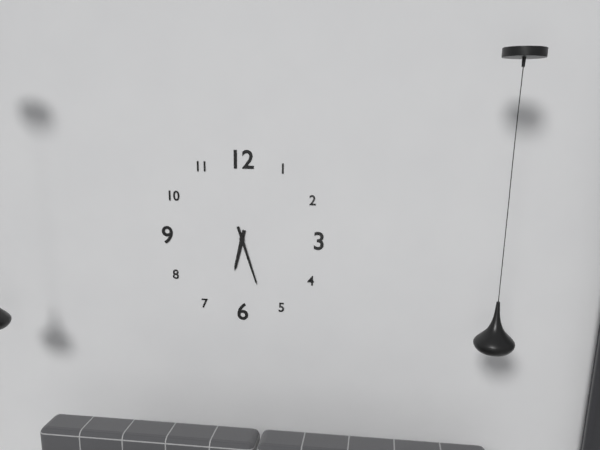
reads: 6,27
